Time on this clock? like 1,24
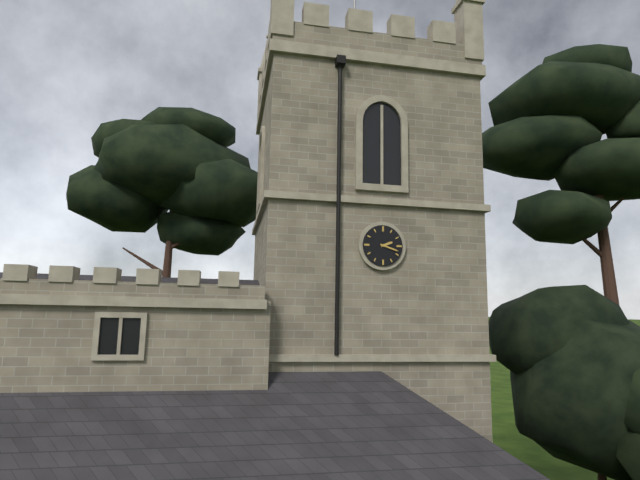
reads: 2,18
